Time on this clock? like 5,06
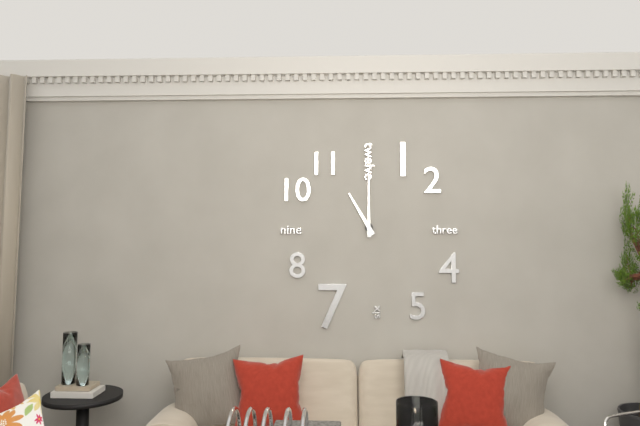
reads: 11,00
